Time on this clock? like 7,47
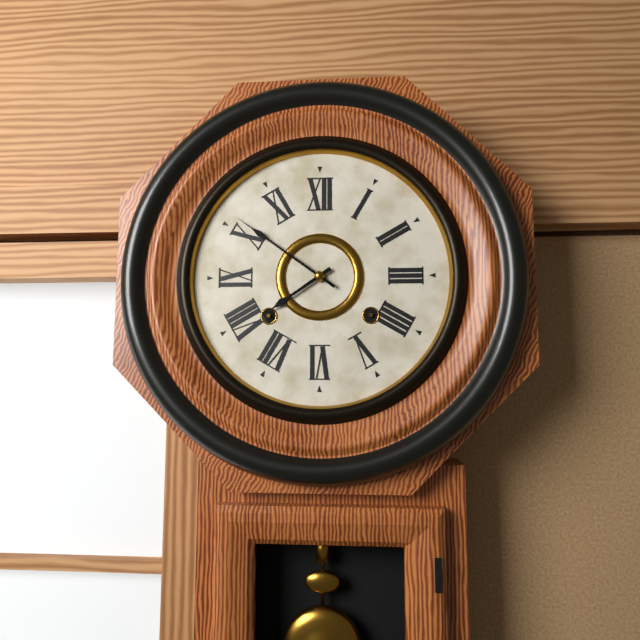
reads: 7,51
